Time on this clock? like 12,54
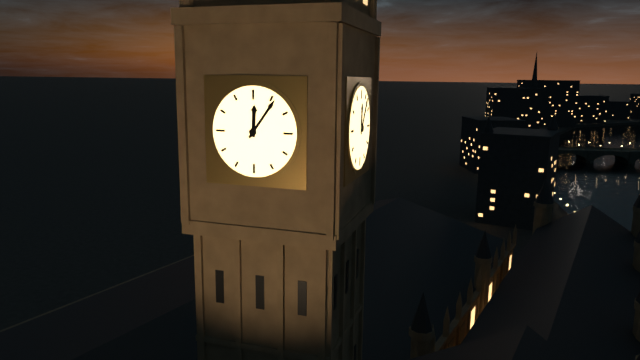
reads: 12,06
